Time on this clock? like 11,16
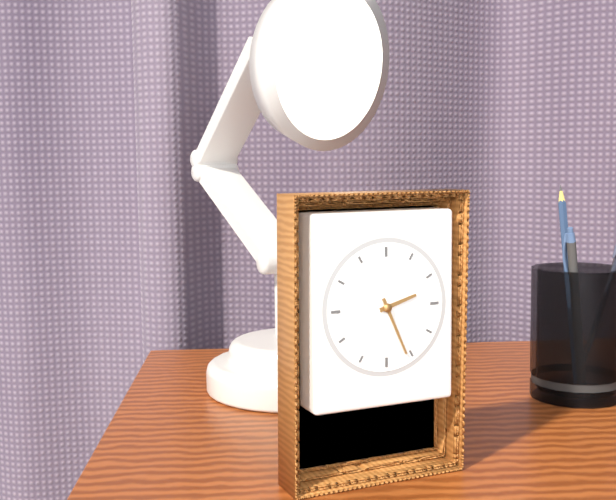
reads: 2,26
